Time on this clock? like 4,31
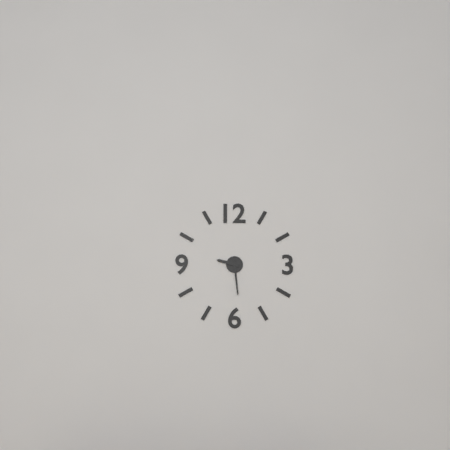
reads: 9,29
